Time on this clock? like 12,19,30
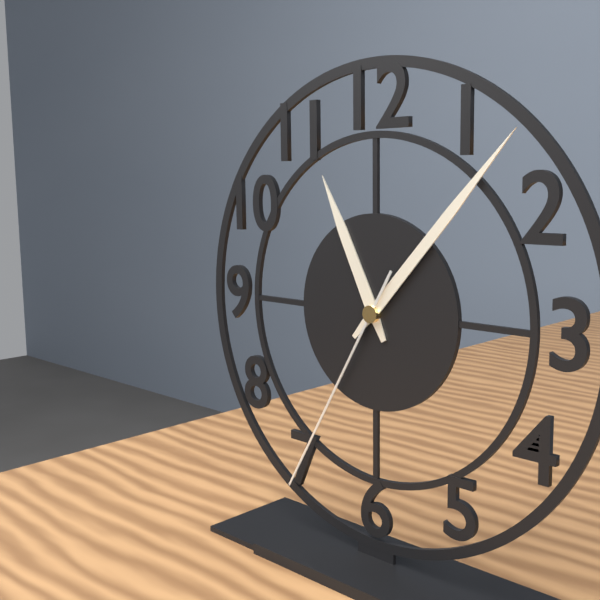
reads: 11,07,35
